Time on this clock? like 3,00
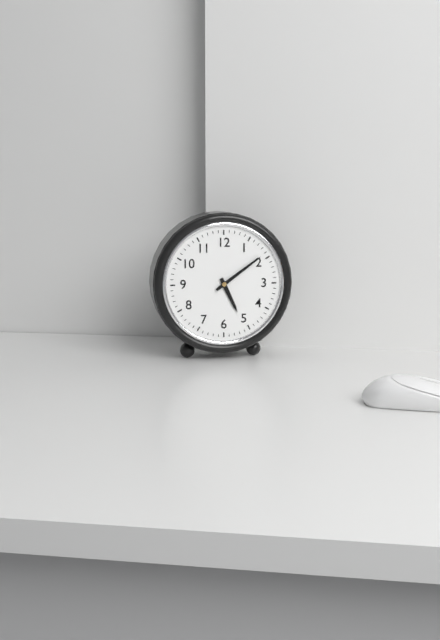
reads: 5,09
